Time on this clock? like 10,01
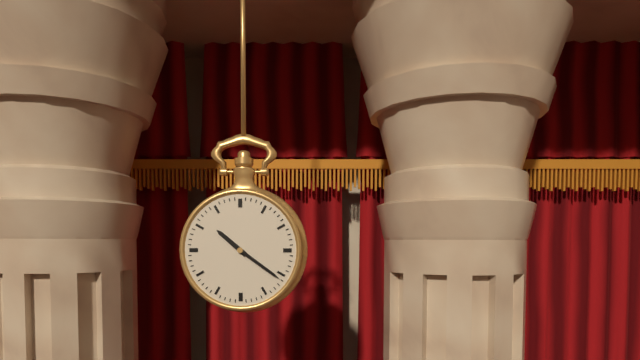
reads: 10,21
